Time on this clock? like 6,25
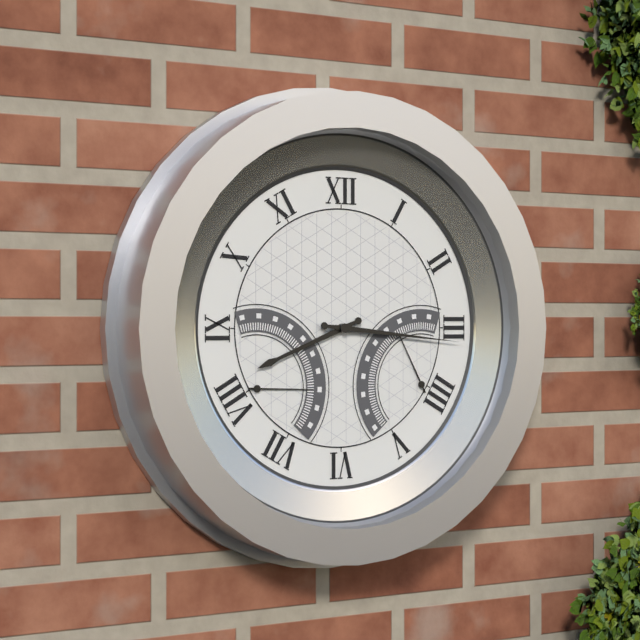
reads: 8,16
